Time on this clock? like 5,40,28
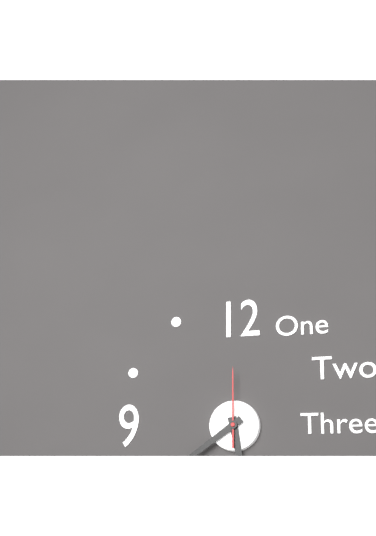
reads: 5,39,00
